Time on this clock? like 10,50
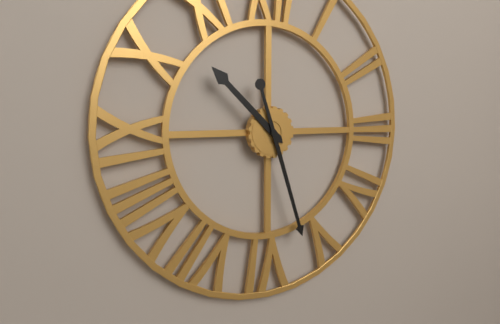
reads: 10,27
